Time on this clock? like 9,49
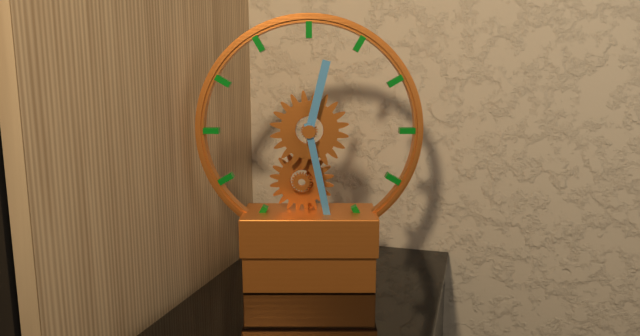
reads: 12,28
